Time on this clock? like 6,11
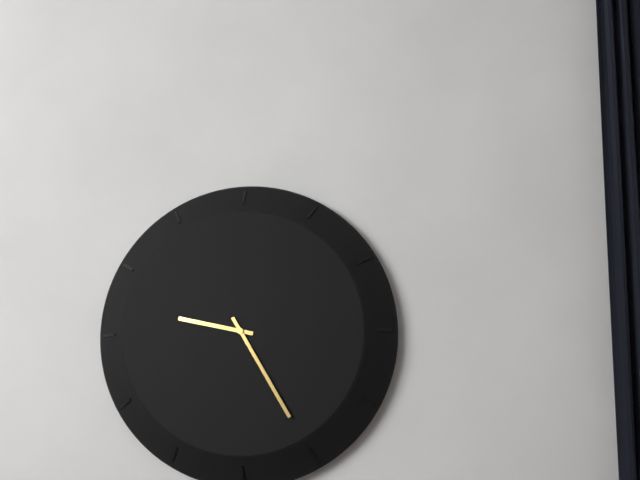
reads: 9,25
